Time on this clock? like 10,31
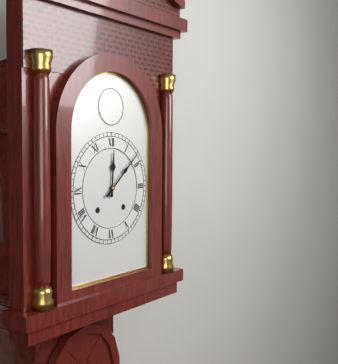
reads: 12,08
